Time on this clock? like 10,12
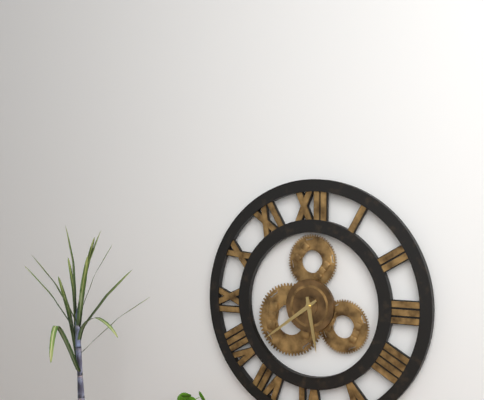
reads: 5,39
